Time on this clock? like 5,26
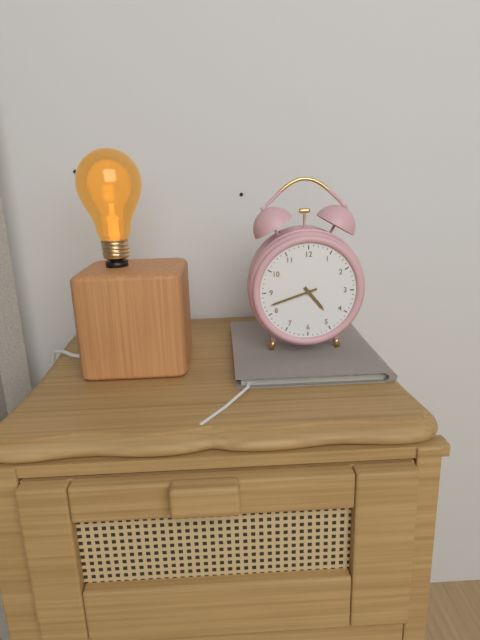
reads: 4,42
